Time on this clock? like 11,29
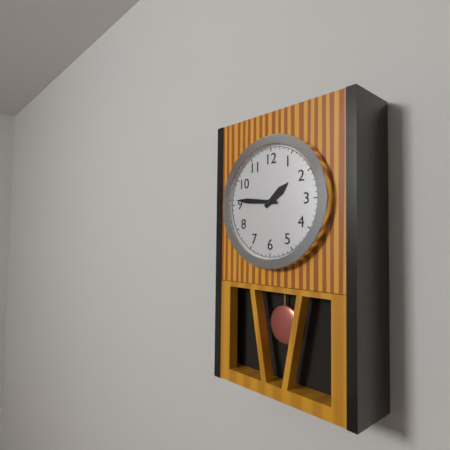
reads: 1,46
